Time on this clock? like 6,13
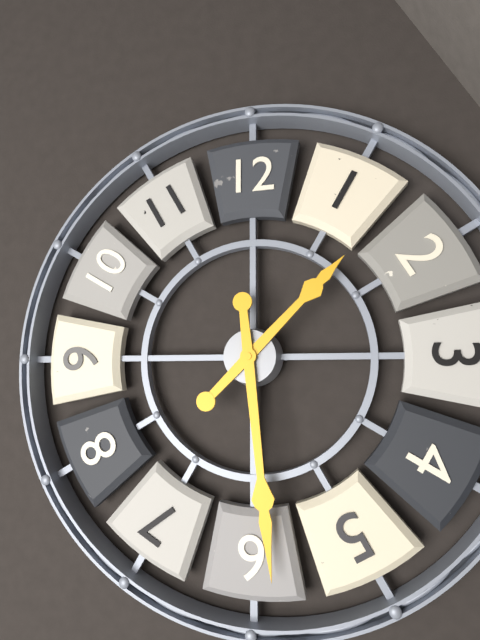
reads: 1,29
